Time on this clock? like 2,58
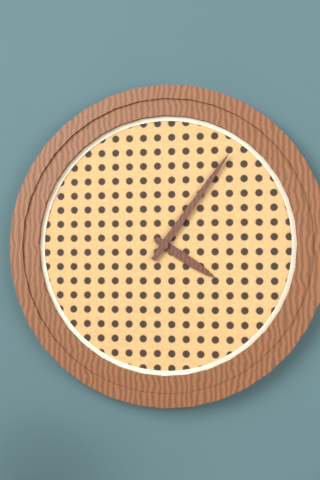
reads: 4,06
